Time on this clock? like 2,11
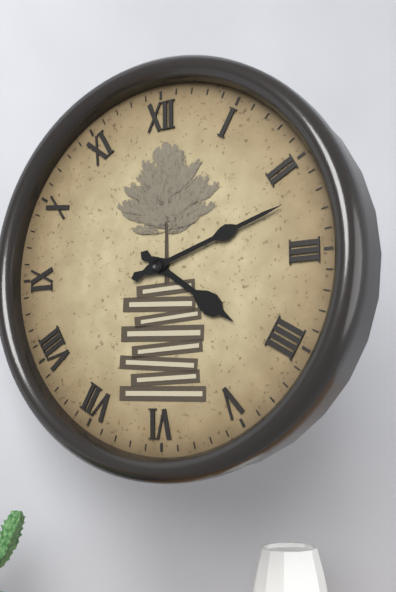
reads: 4,12
